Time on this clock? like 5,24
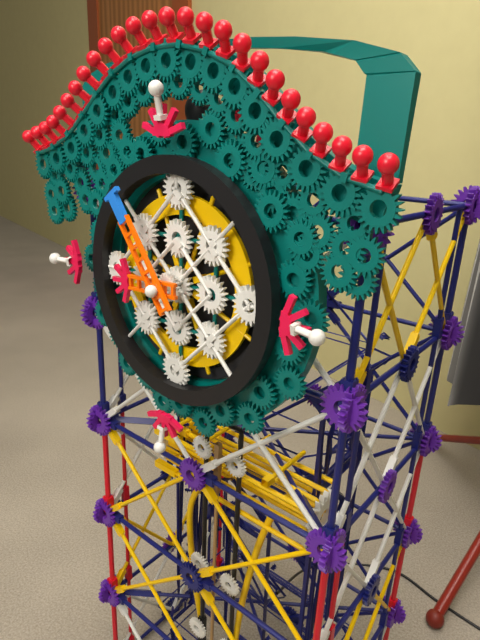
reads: 8,54
